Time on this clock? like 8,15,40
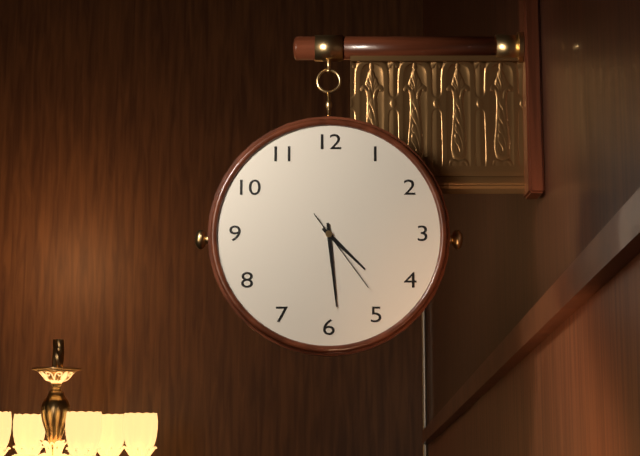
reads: 4,29,24
